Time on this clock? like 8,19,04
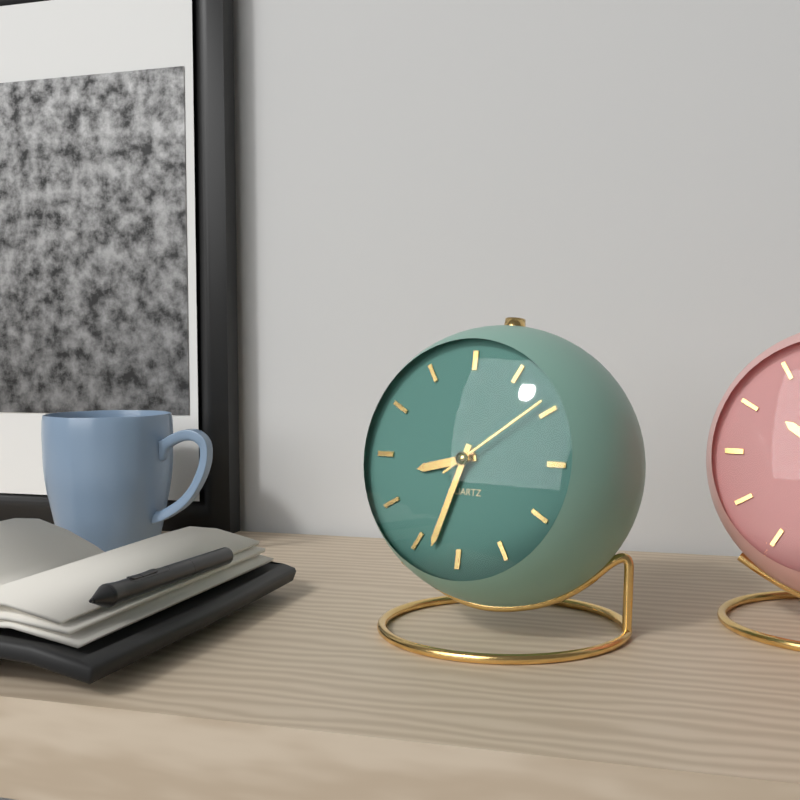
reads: 8,33,09
